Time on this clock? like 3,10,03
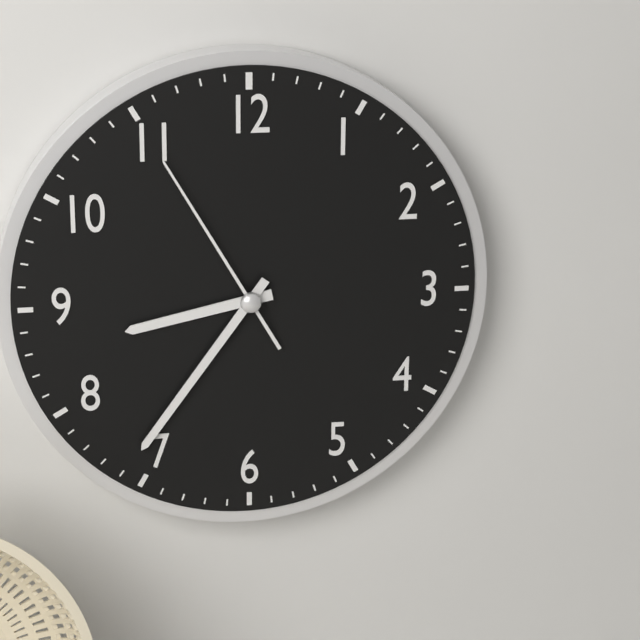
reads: 8,36,55
